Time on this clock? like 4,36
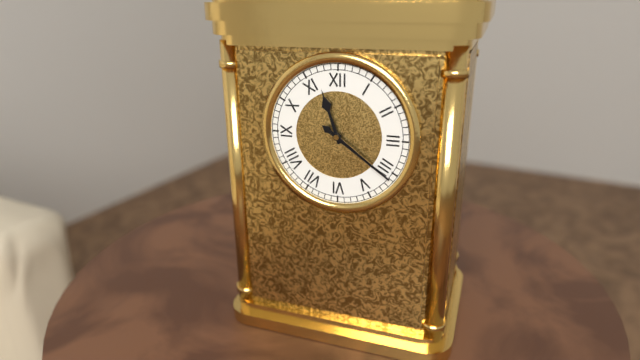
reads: 11,21
